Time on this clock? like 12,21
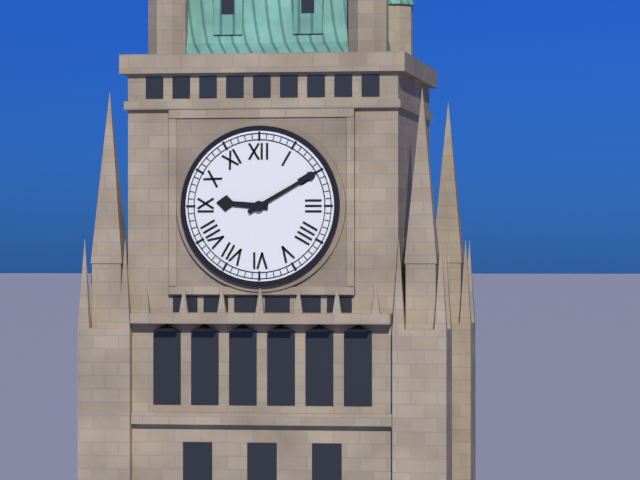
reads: 9,10
